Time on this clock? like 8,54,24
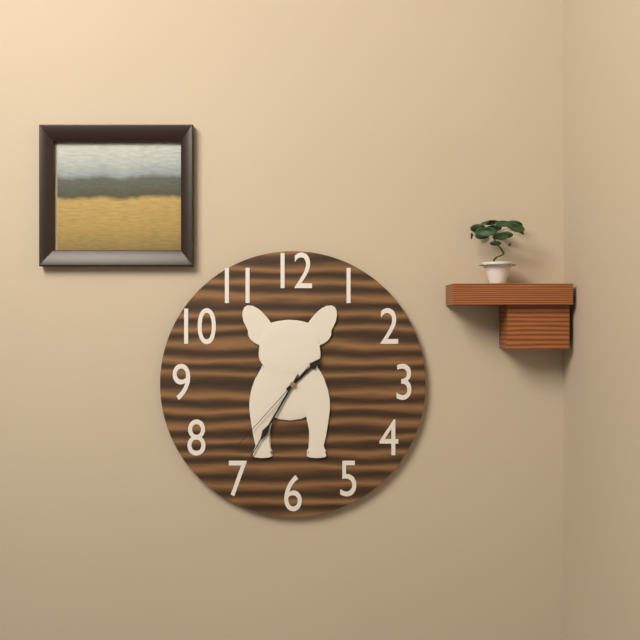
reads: 1,35,37
